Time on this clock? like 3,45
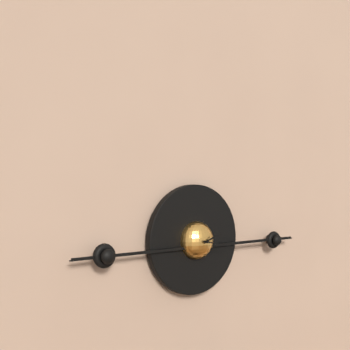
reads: 2,17
